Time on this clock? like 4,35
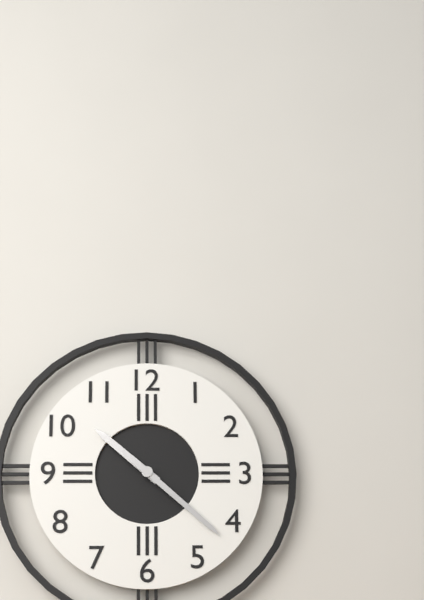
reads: 10,22
